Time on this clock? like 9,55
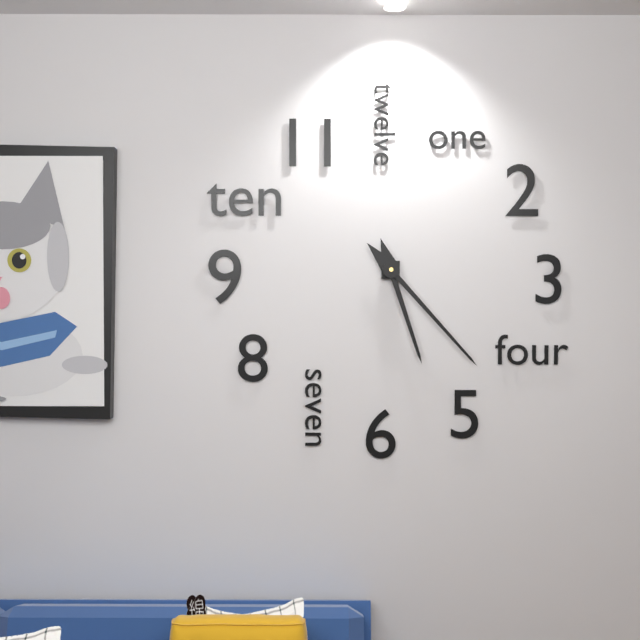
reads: 5,23
